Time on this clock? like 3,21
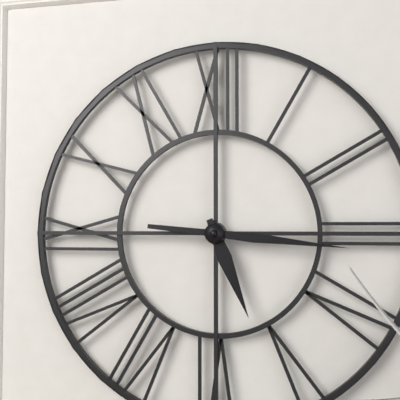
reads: 5,16
